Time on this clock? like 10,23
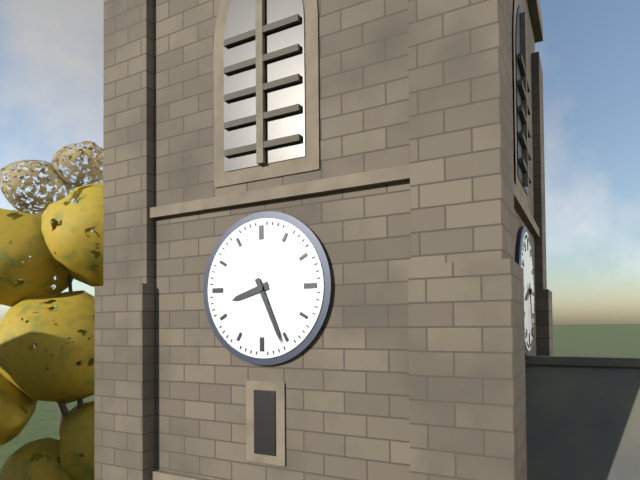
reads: 8,26
